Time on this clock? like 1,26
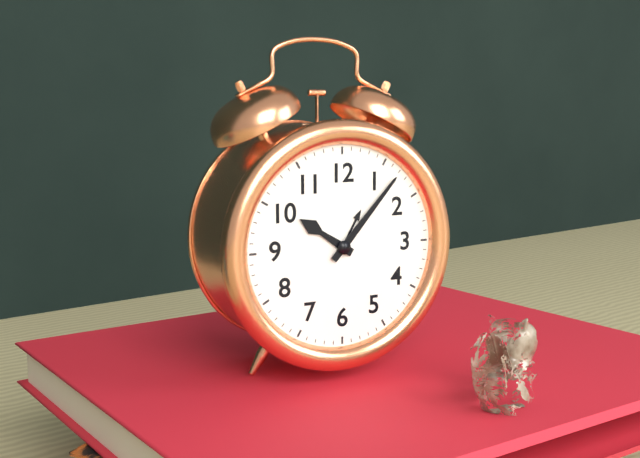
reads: 10,07
